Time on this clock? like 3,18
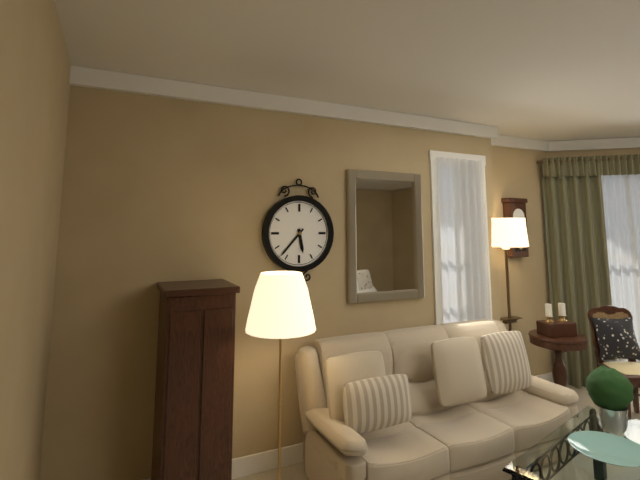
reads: 5,37
